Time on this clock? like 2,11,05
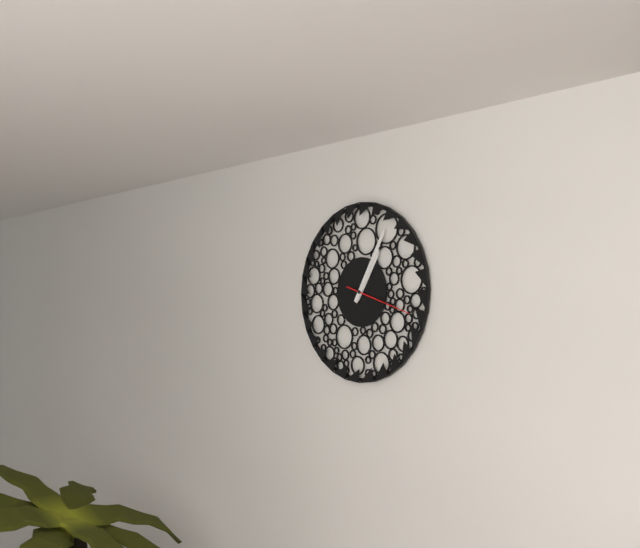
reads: 1,05,18
